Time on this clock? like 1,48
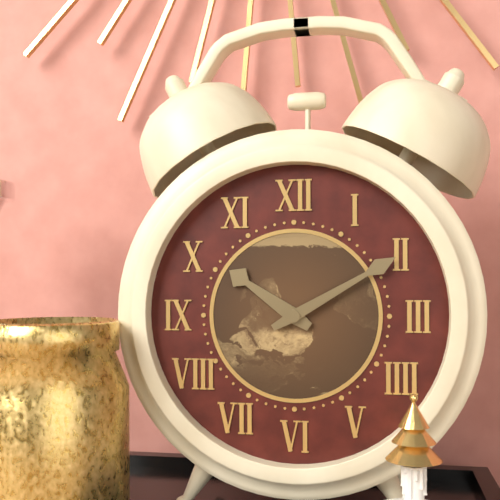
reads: 10,10
